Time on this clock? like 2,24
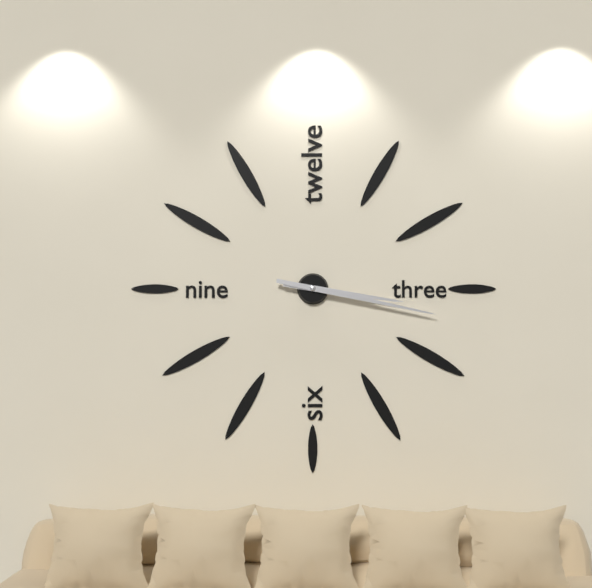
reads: 3,17
